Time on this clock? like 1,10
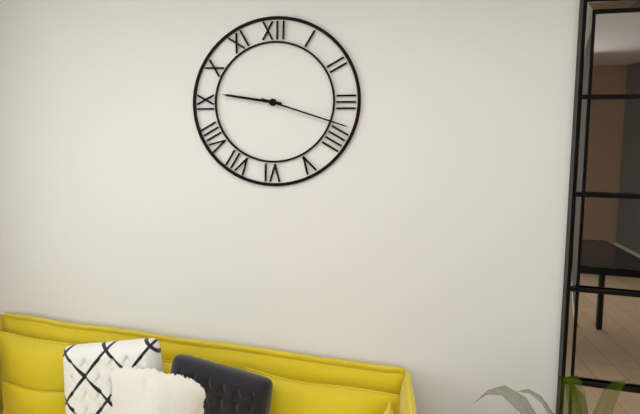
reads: 9,18
